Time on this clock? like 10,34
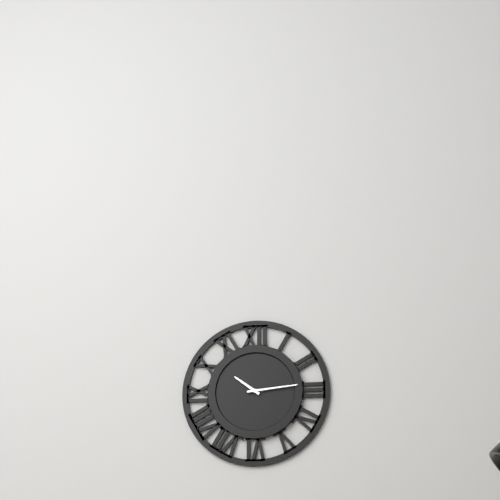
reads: 10,14
